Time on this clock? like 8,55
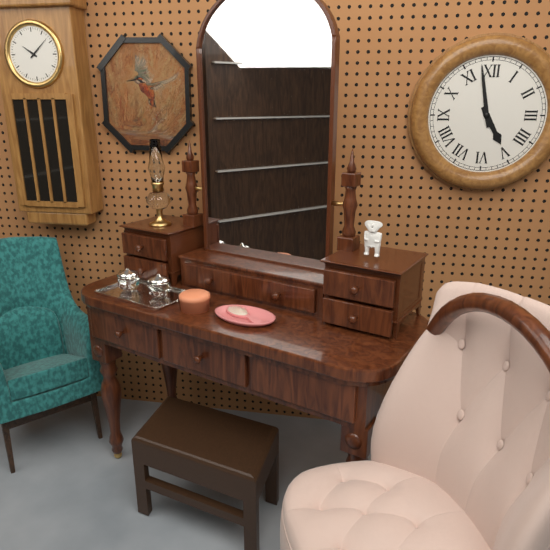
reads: 4,58
